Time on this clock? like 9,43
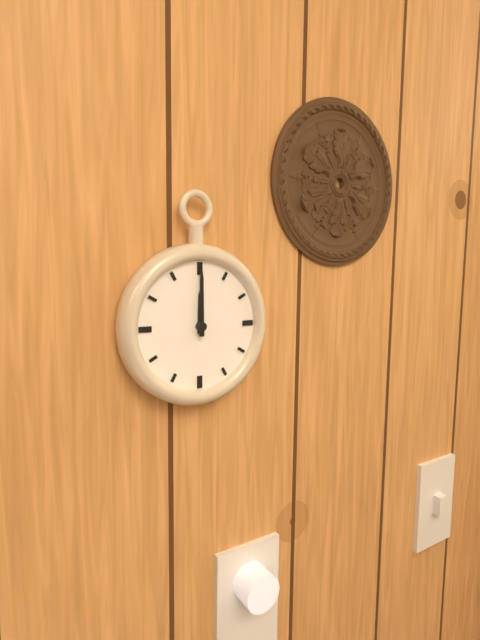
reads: 12,00
